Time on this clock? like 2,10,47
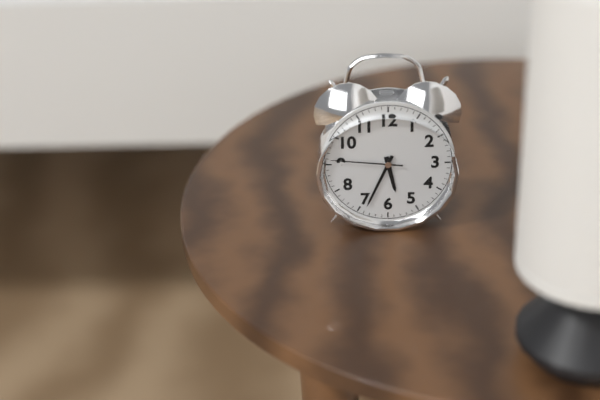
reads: 5,34,46
